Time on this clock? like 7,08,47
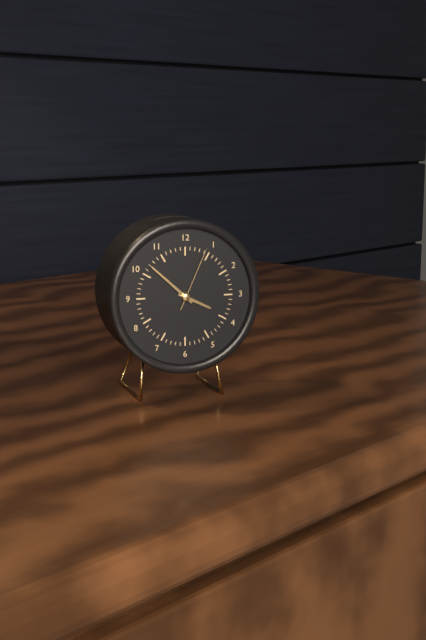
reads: 3,52,04
